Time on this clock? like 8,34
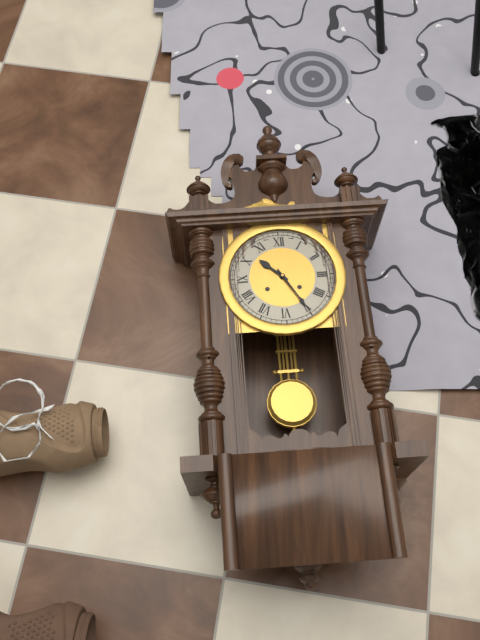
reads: 10,25
